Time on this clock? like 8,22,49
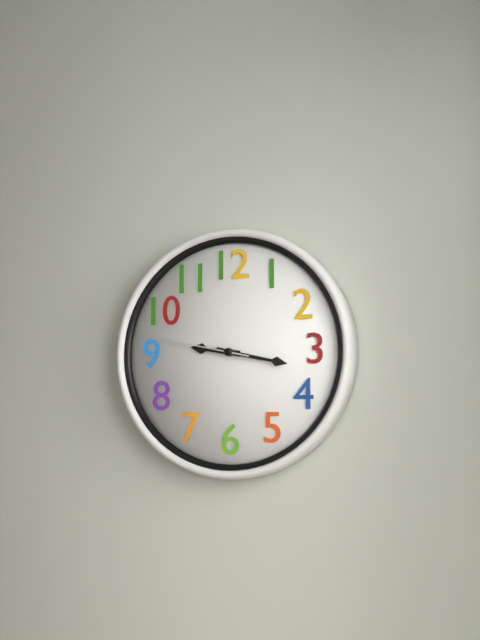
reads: 9,17,47
